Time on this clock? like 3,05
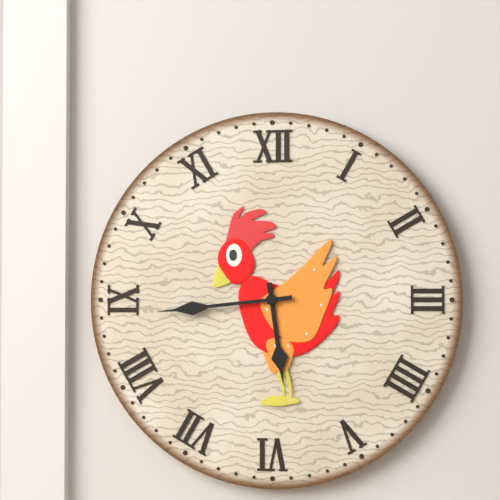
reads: 5,44
